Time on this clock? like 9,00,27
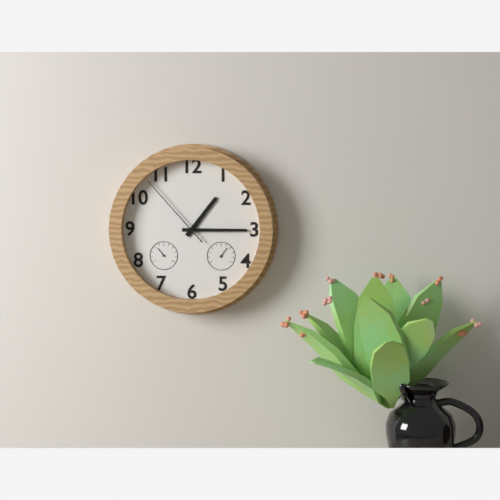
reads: 1,15,53
